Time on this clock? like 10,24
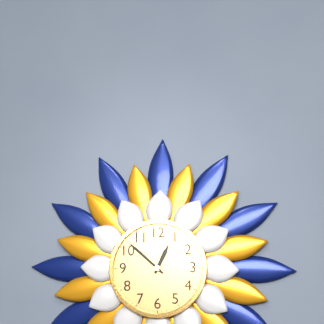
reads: 12,52
